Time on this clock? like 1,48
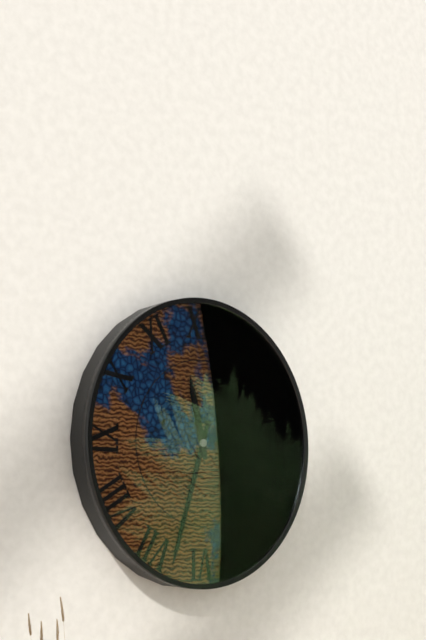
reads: 11,33
